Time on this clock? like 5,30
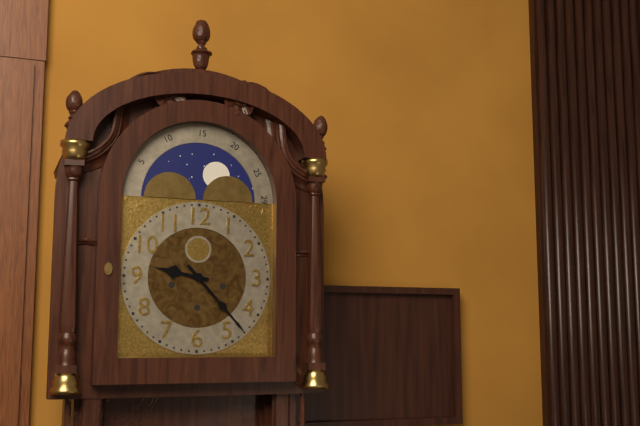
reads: 9,23
